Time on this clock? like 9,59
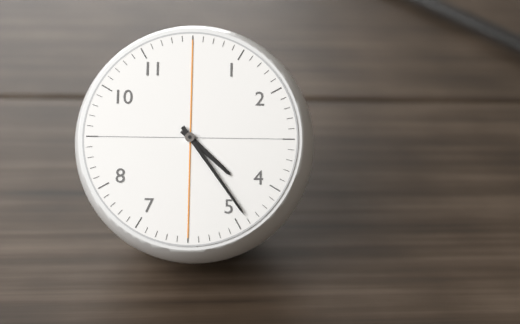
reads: 4,24
